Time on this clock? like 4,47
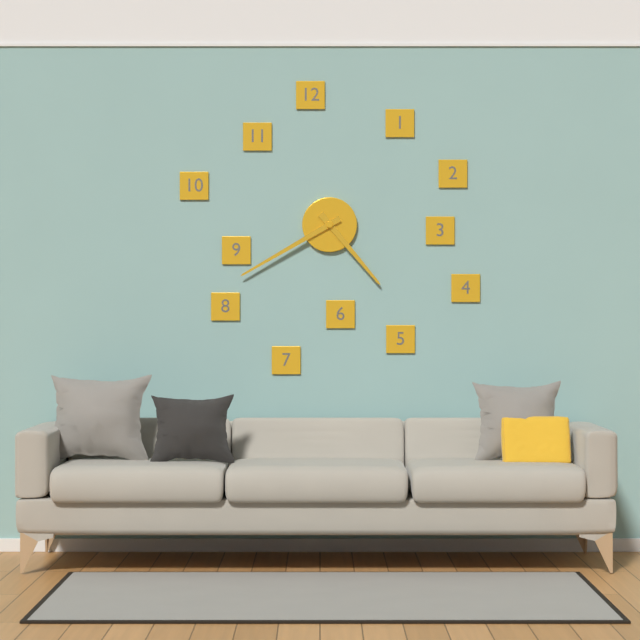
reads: 4,40
